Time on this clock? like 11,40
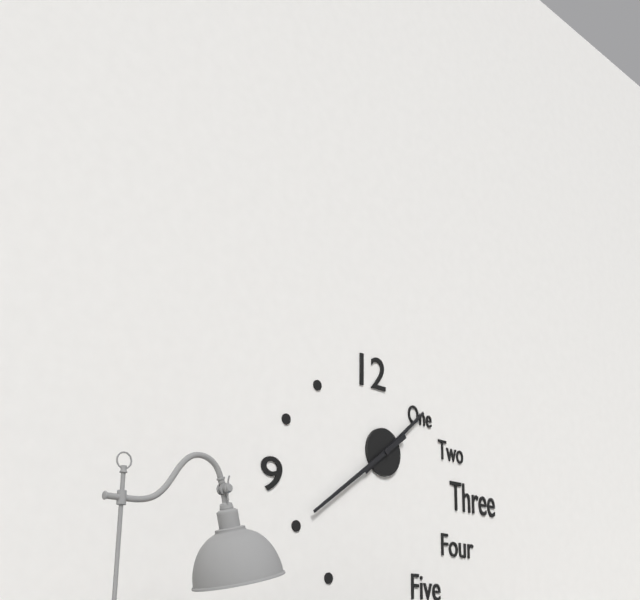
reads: 1,39
